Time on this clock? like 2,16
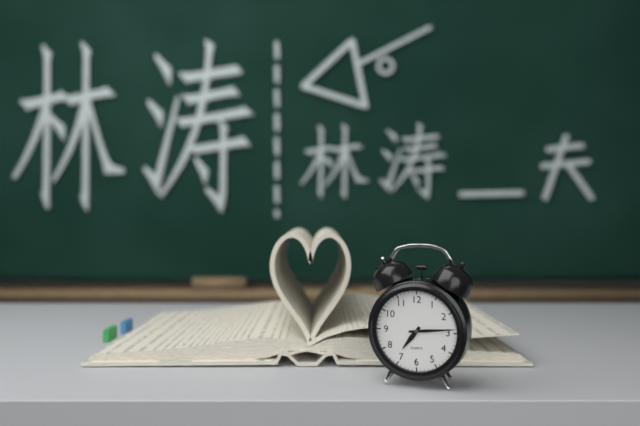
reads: 7,14
